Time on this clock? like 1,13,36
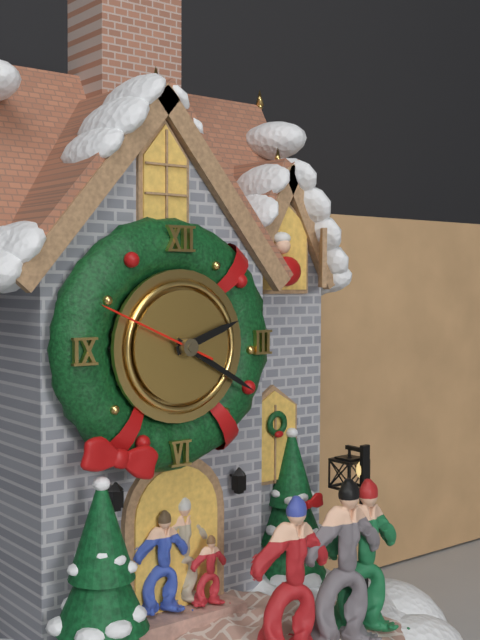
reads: 2,20,49
